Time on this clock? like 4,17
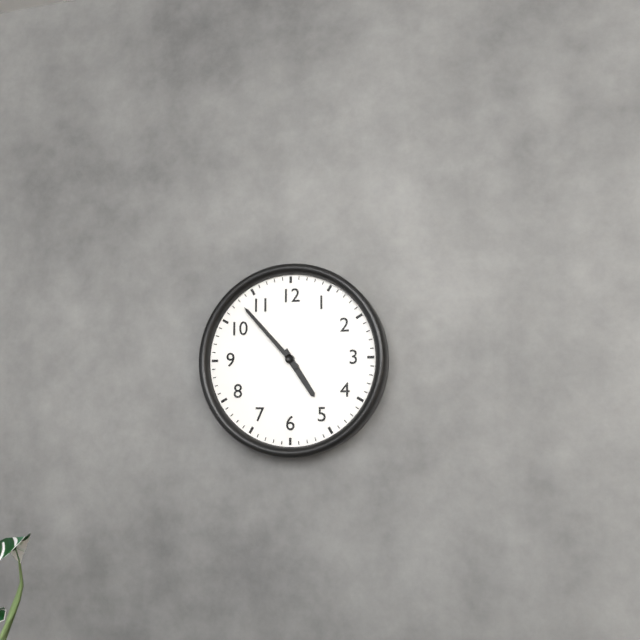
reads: 4,53
